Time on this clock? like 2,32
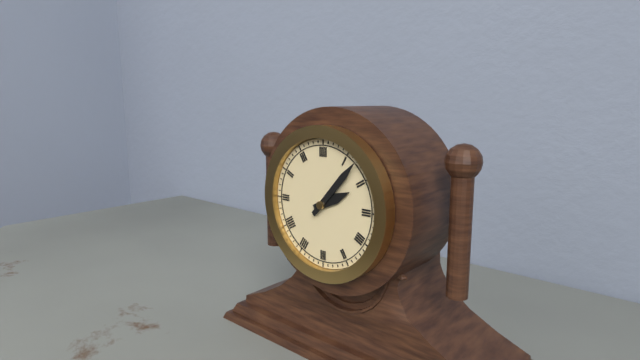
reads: 2,07
